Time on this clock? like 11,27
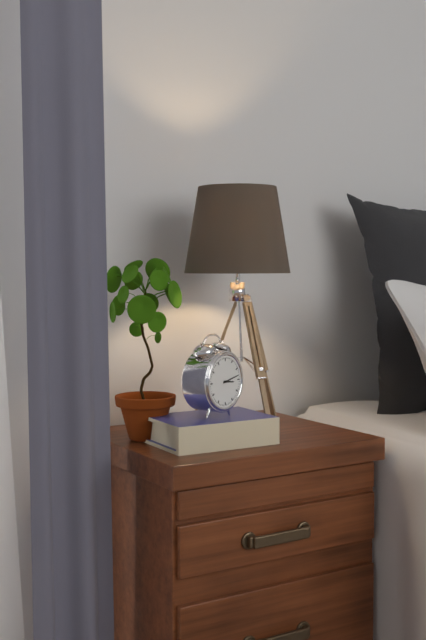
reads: 3,13
